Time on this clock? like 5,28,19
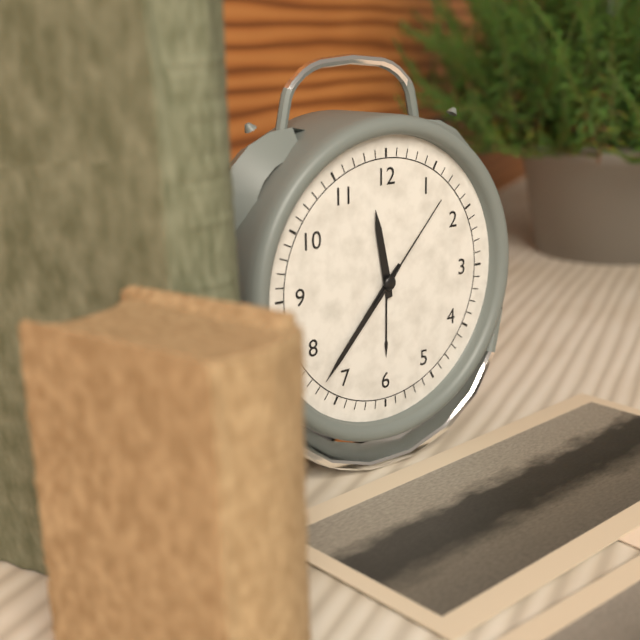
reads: 11,37,07
